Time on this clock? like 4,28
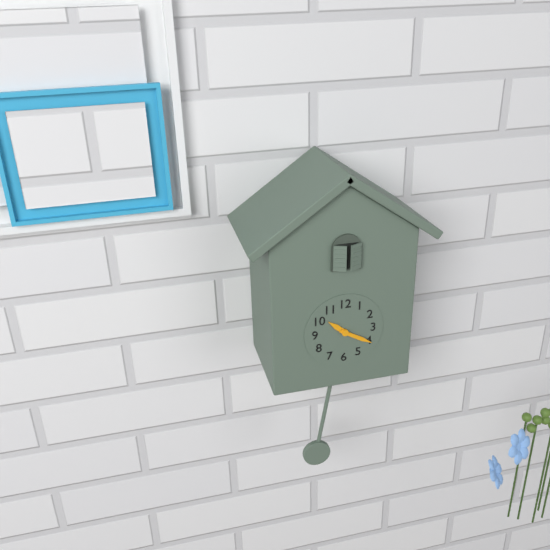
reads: 10,20
